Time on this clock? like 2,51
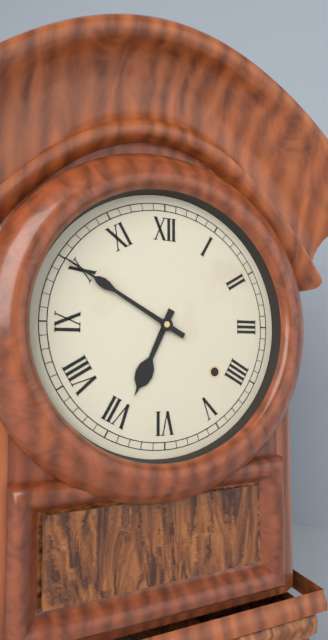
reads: 6,50
